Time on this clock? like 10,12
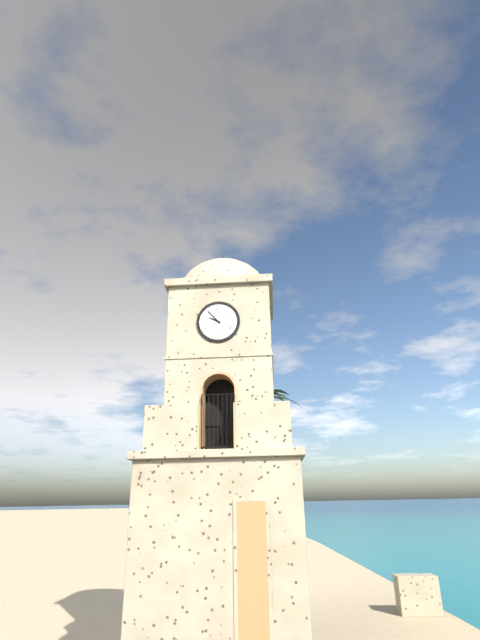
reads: 9,53
